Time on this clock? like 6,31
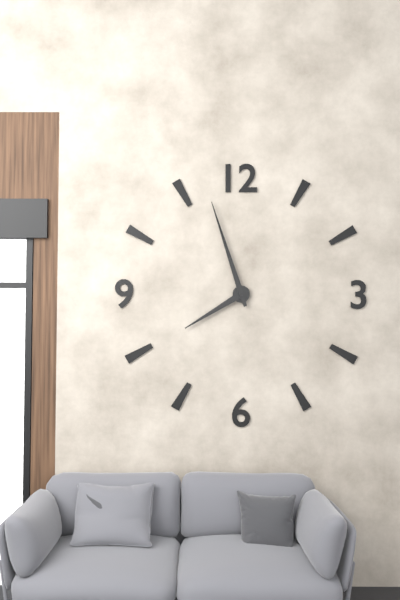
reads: 7,57
